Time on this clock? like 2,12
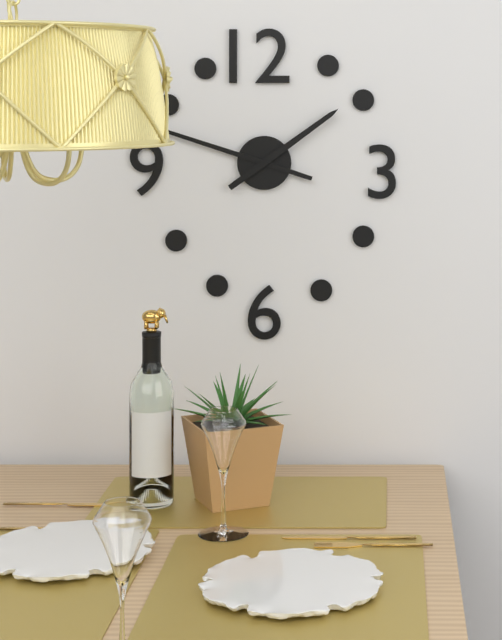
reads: 1,48
